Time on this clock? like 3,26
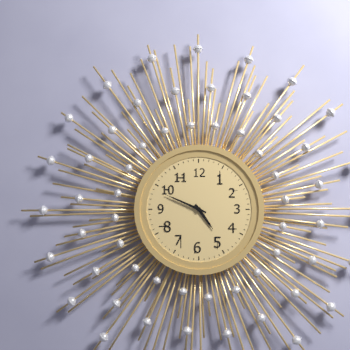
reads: 4,49
